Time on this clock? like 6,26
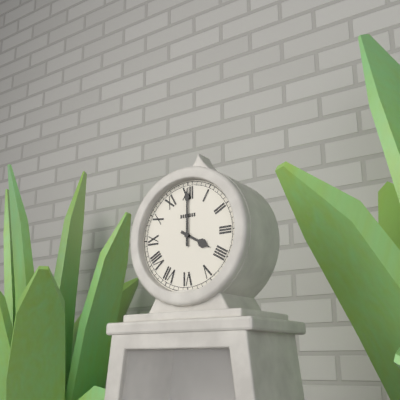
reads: 4,00
